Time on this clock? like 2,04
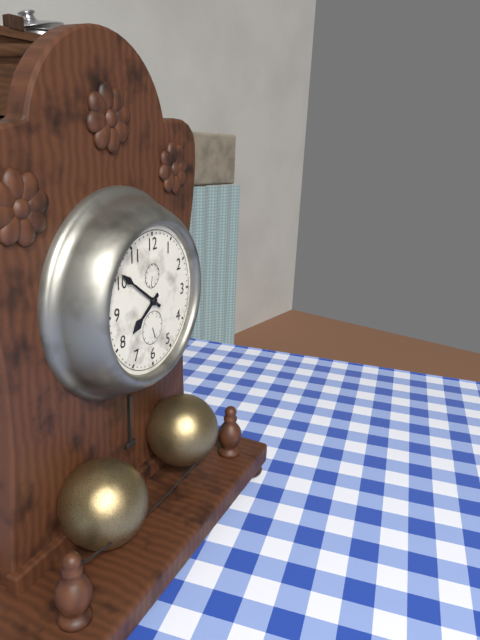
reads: 7,51
